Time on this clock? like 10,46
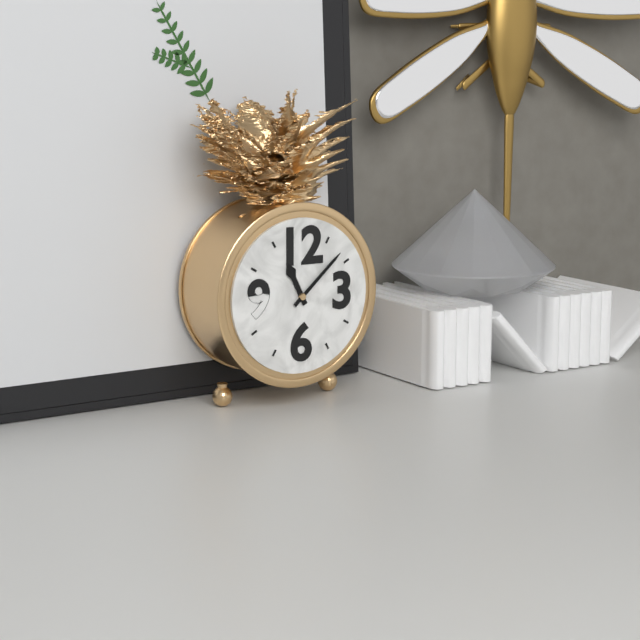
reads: 11,08
